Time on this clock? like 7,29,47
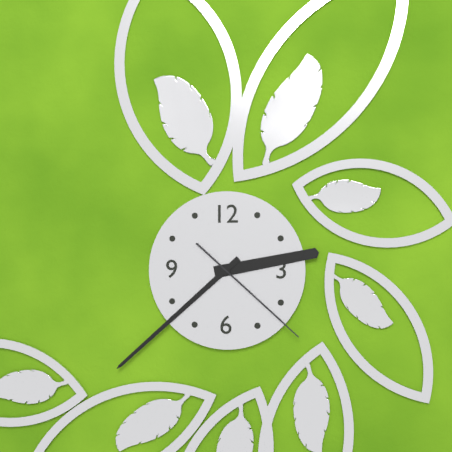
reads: 2,38,22
